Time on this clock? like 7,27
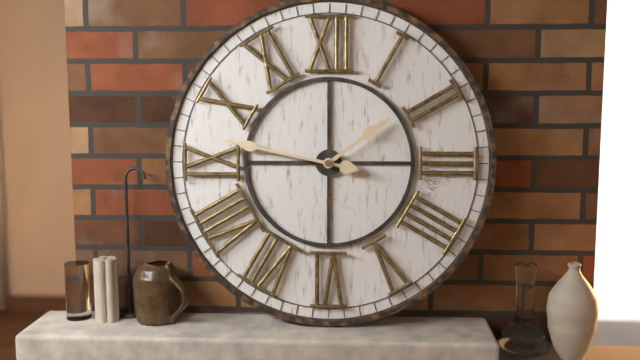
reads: 1,47
